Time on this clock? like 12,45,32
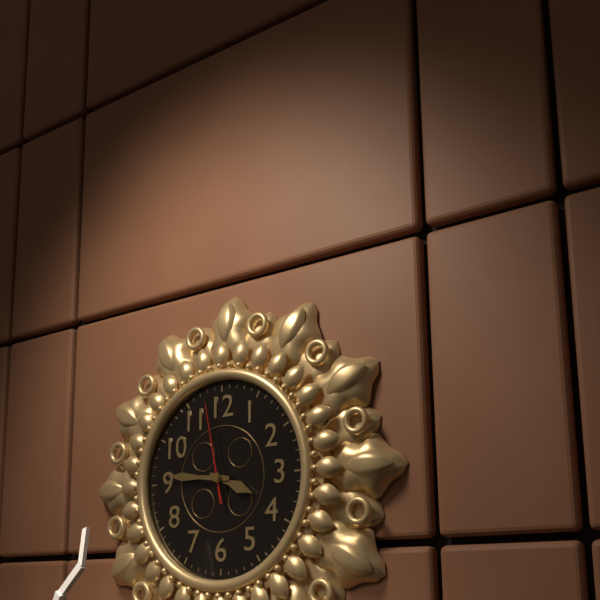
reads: 3,46,58
